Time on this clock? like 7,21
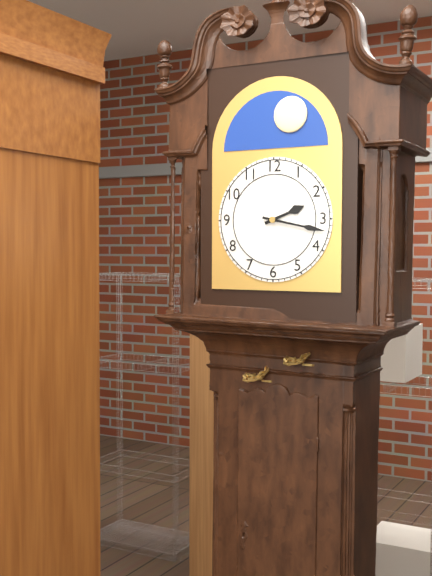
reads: 2,17
